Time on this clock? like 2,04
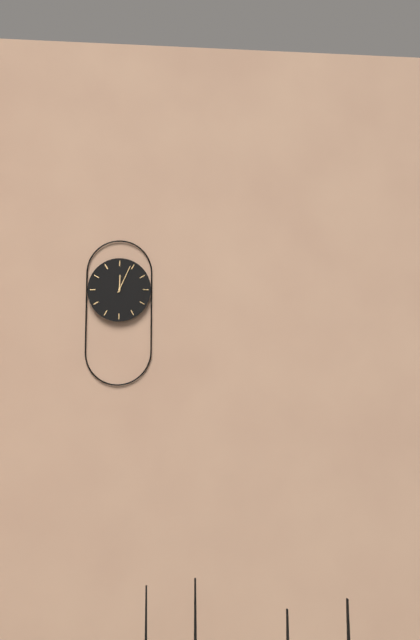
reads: 12,04
